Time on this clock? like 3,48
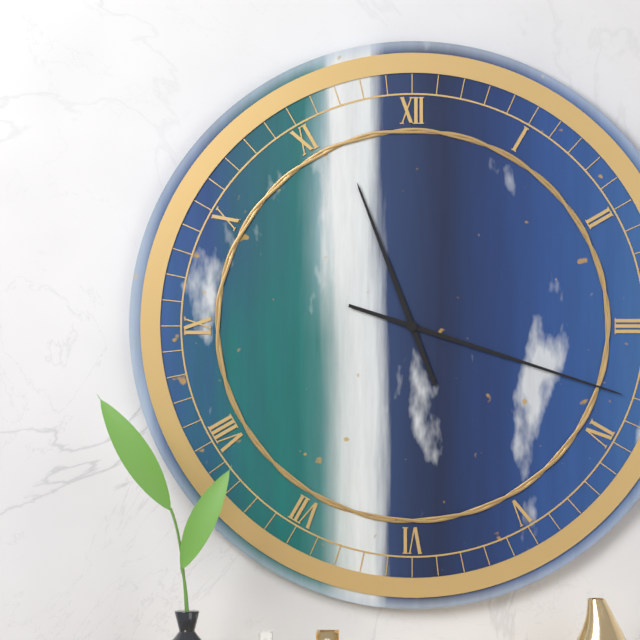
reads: 11,18
